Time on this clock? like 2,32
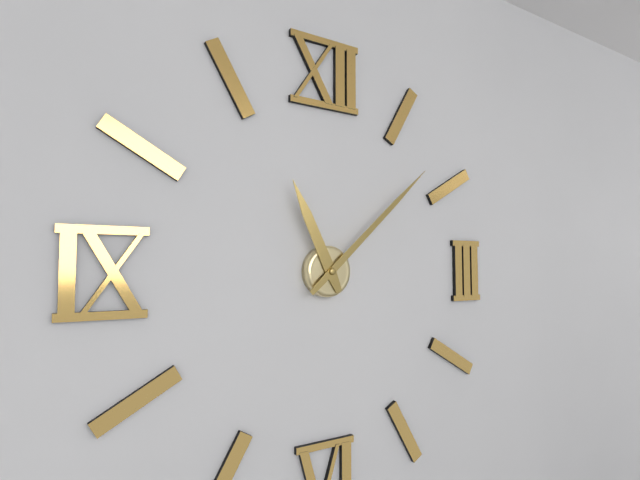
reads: 11,08
